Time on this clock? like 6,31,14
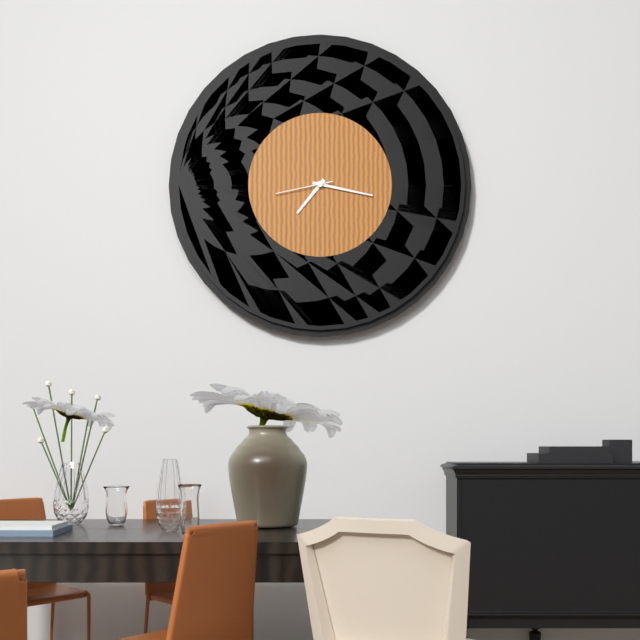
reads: 7,17,43
